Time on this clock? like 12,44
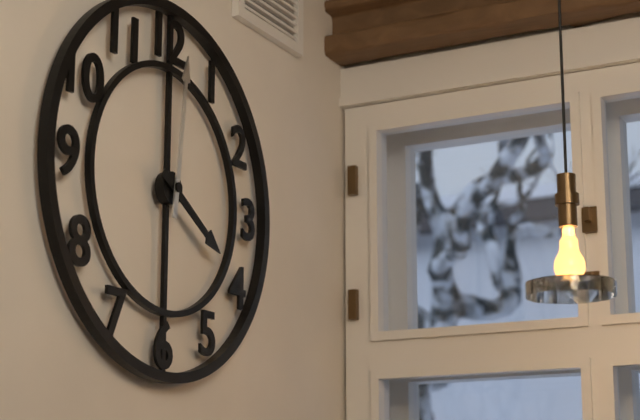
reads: 4,01
